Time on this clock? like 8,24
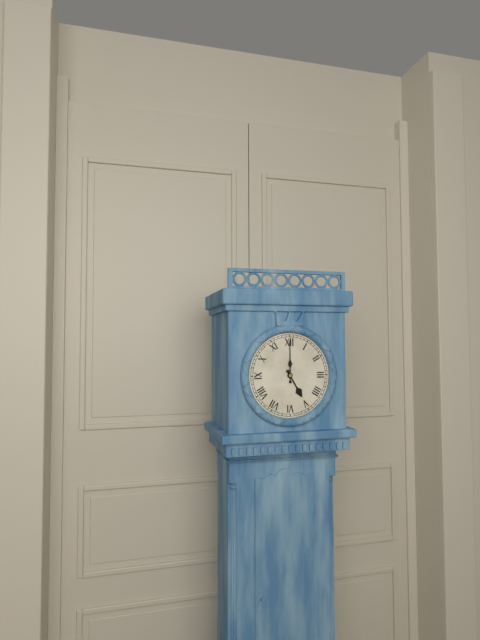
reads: 5,00
